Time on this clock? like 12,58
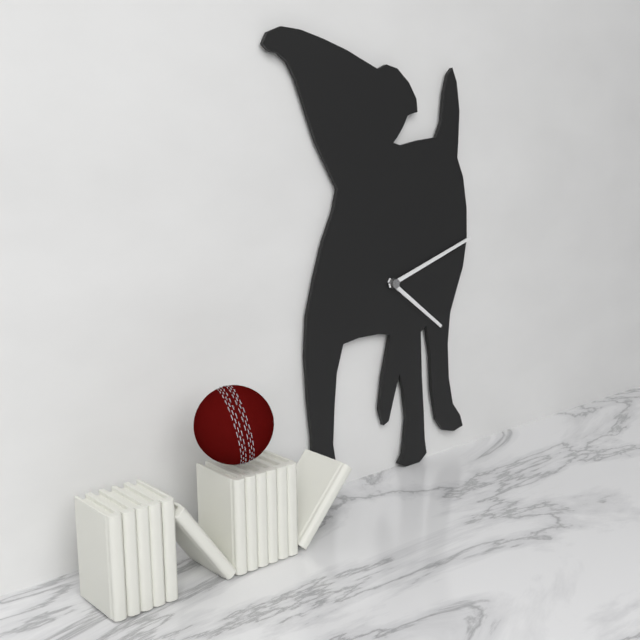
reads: 4,12
